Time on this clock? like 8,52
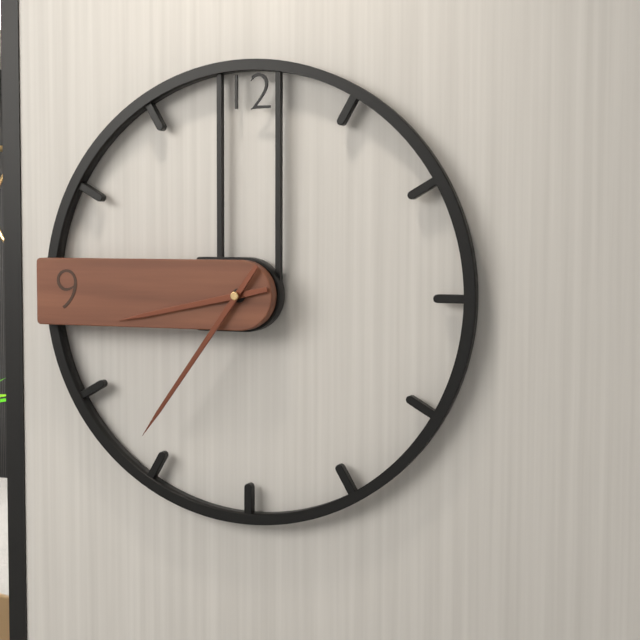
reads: 8,36
